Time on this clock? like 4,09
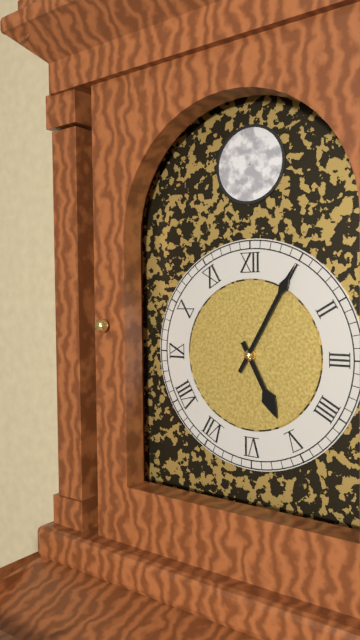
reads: 5,05
